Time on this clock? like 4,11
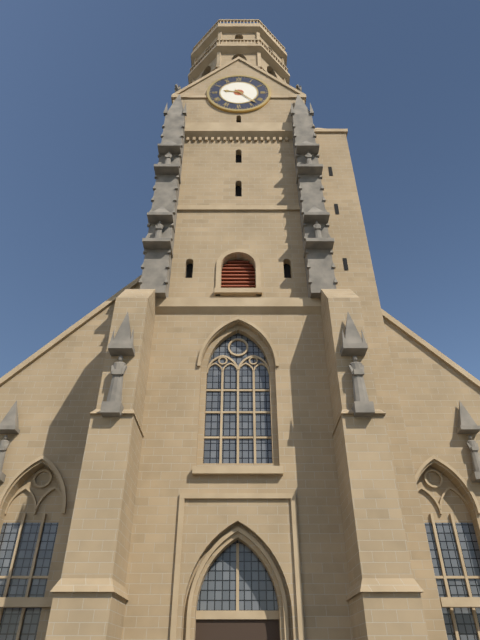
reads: 9,23
